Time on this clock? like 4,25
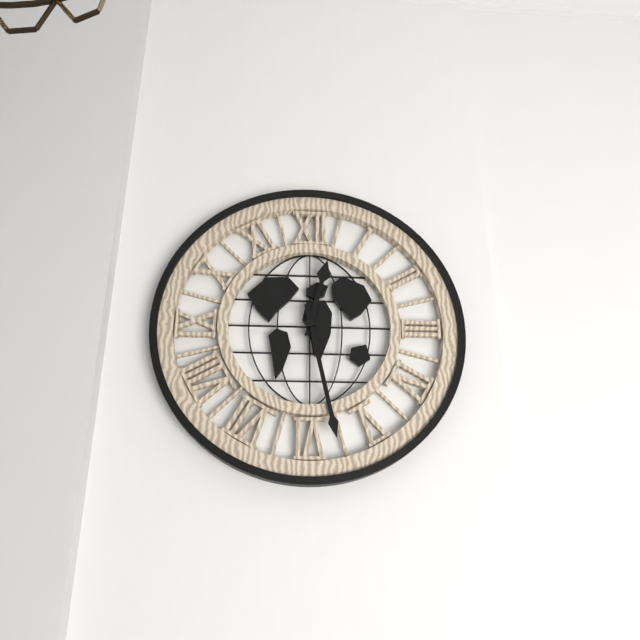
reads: 12,28
